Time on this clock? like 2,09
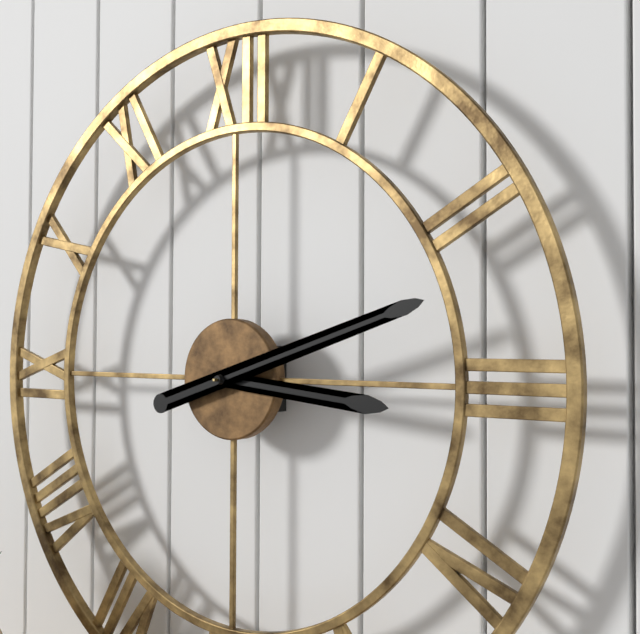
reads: 3,12
